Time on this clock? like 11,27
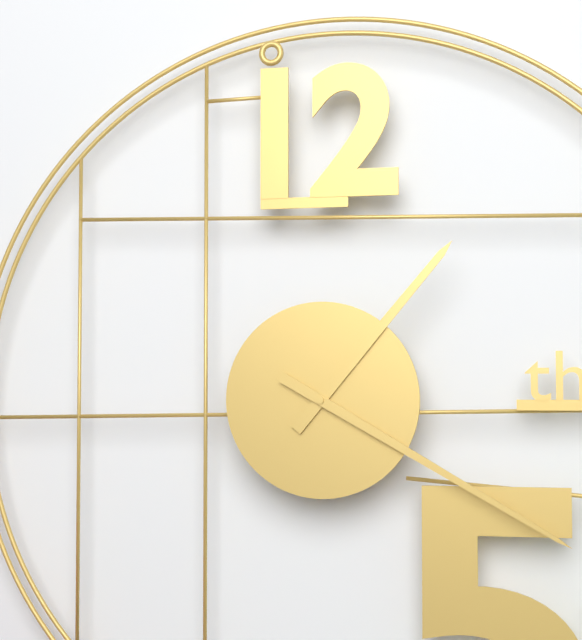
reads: 1,20
